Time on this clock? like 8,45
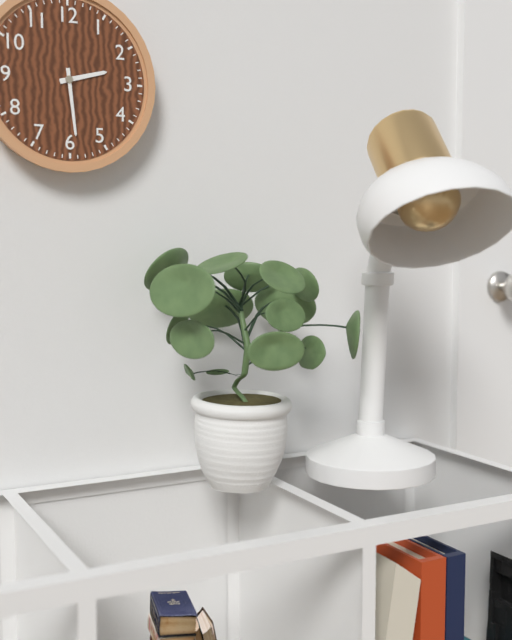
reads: 2,29
